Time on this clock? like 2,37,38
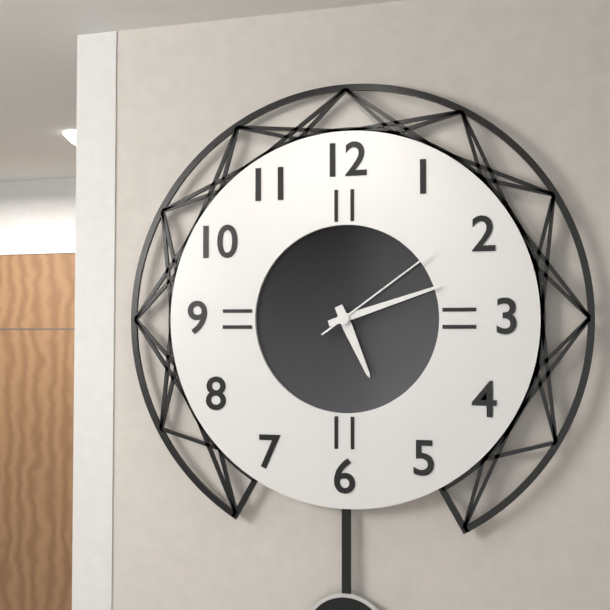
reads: 5,12,09
